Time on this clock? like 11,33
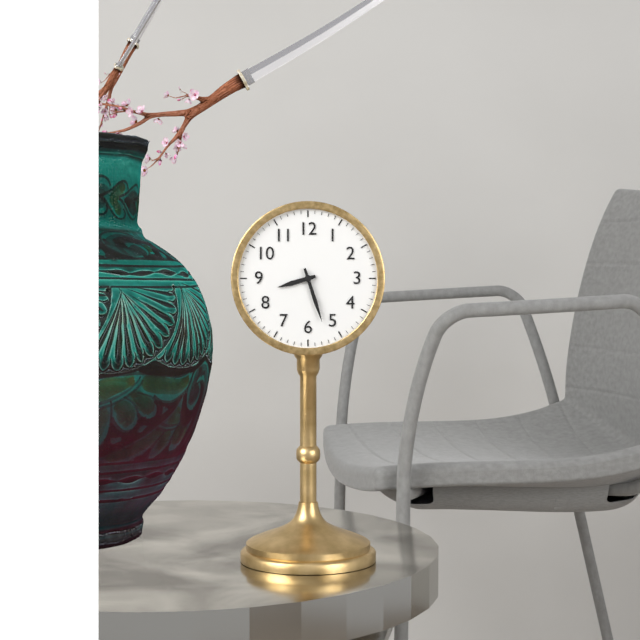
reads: 8,27
